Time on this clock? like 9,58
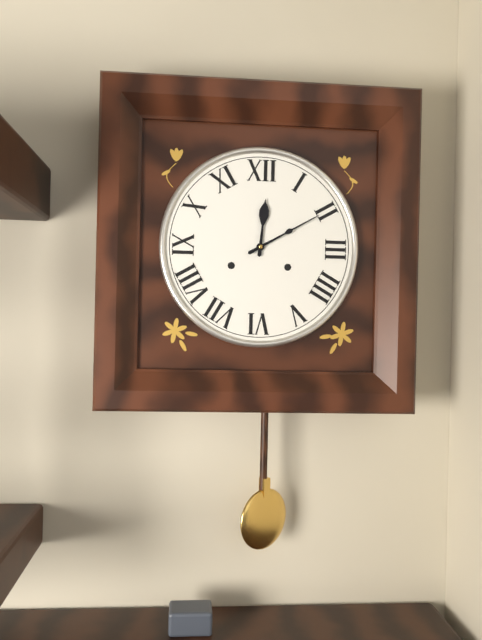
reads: 12,10
